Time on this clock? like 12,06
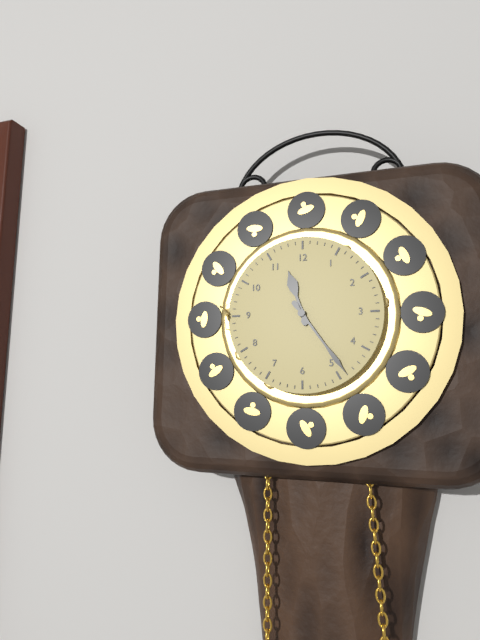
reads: 11,24
